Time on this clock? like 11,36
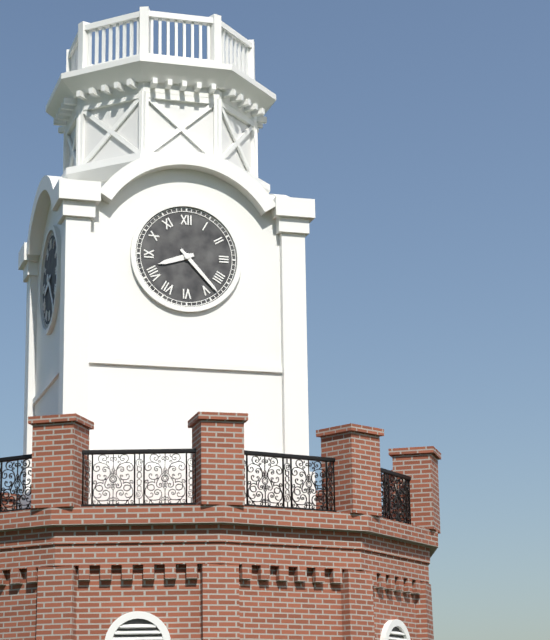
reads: 8,23
